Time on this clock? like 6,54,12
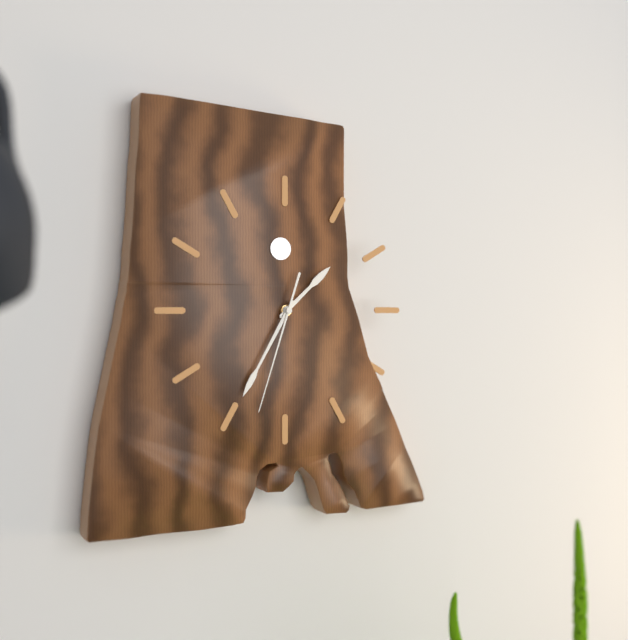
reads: 1,35,33
